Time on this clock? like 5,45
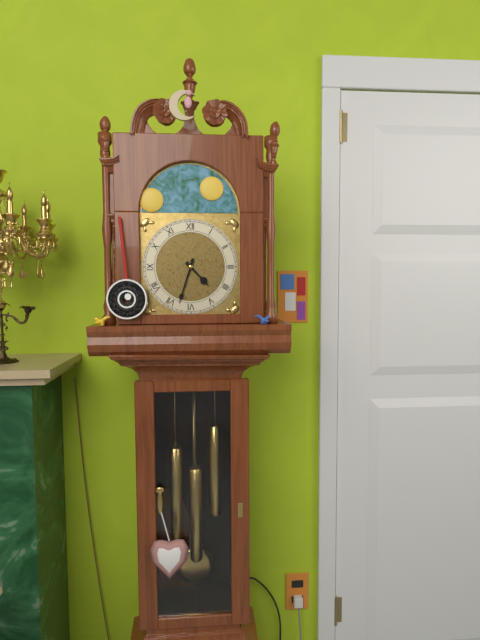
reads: 4,33
